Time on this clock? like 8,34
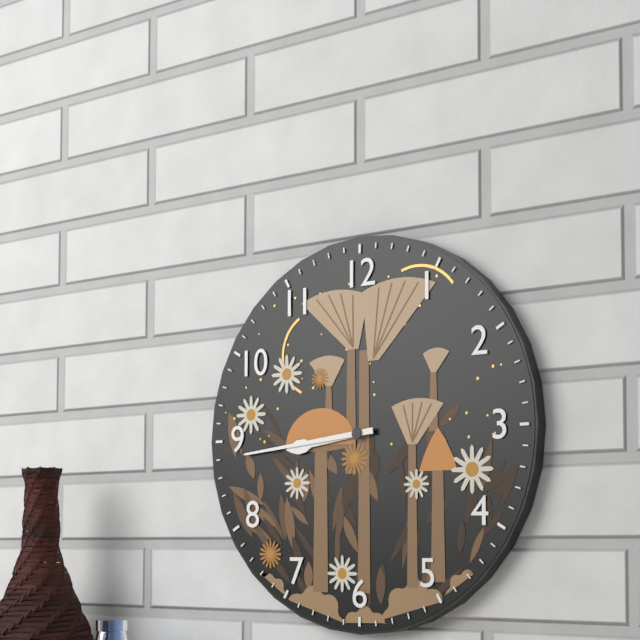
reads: 8,44
